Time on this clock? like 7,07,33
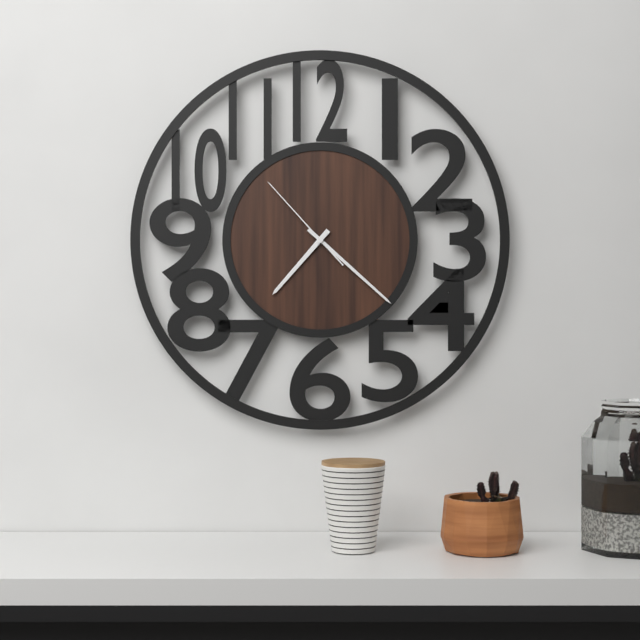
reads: 7,22,53
